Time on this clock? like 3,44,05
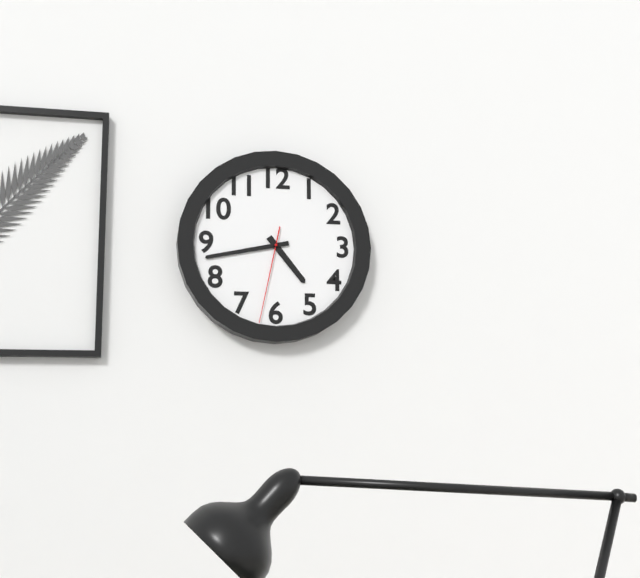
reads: 4,43,32
